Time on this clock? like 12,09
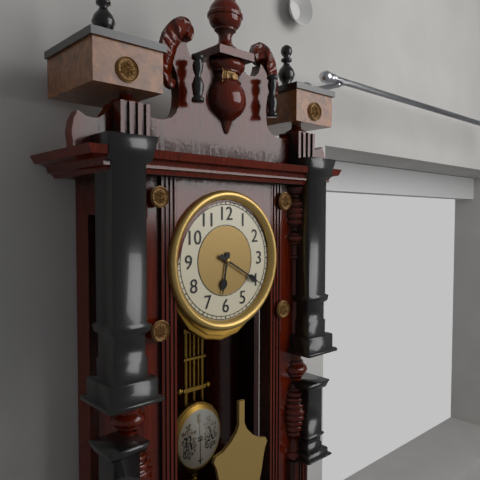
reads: 6,20
